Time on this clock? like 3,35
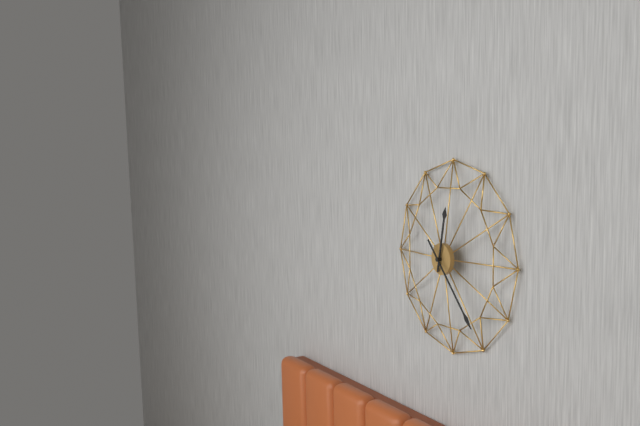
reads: 12,23
